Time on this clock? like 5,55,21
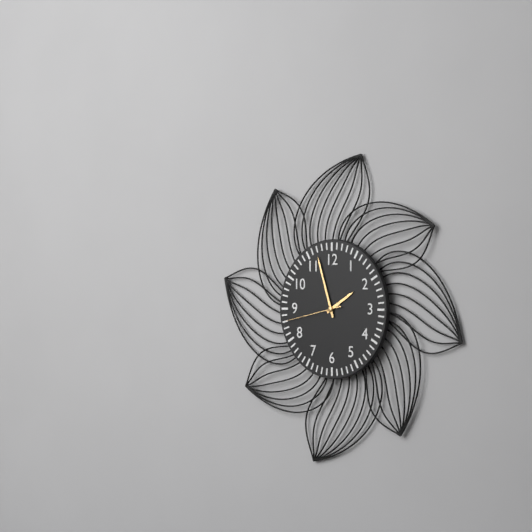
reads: 1,57,43
